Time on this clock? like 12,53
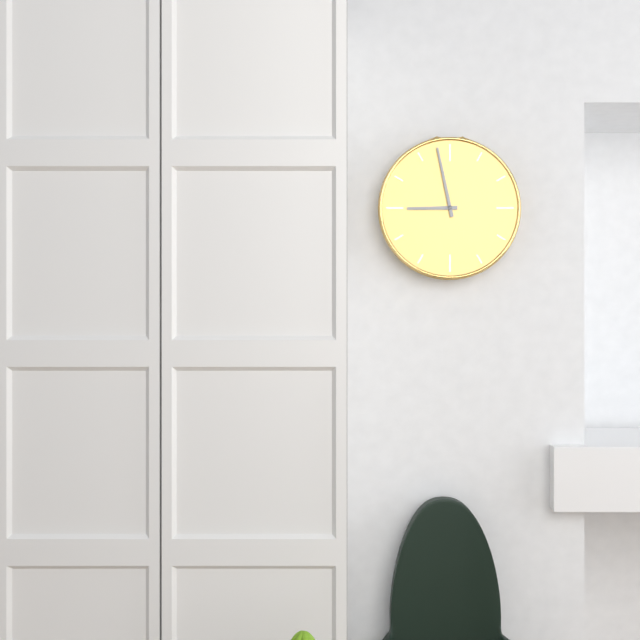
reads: 8,58
